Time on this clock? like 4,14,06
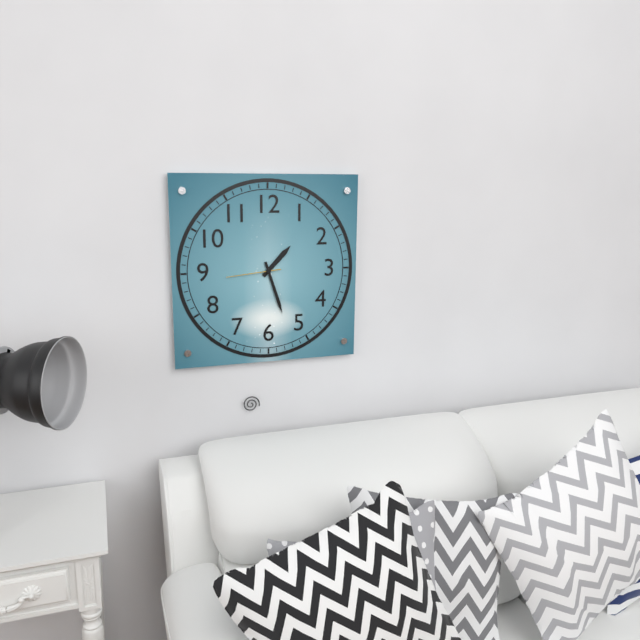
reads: 1,27,44
